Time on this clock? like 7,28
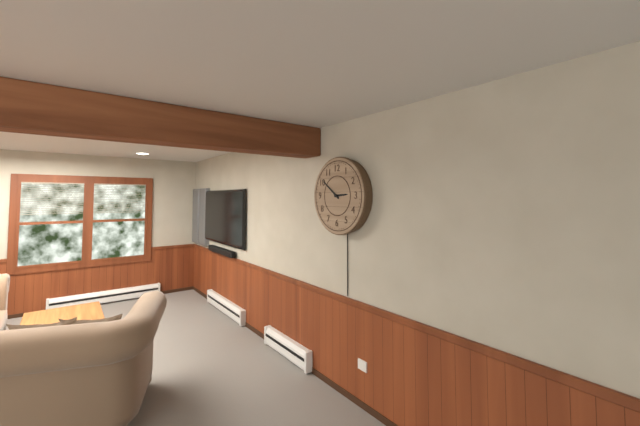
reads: 2,51
